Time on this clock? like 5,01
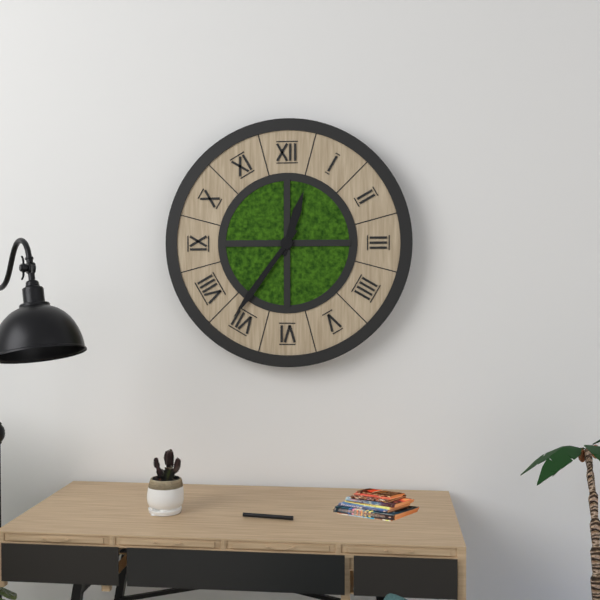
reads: 12,36
